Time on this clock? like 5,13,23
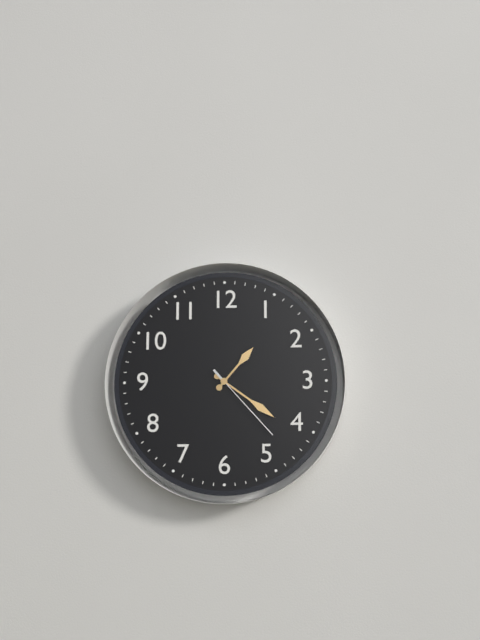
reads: 1,21,23
